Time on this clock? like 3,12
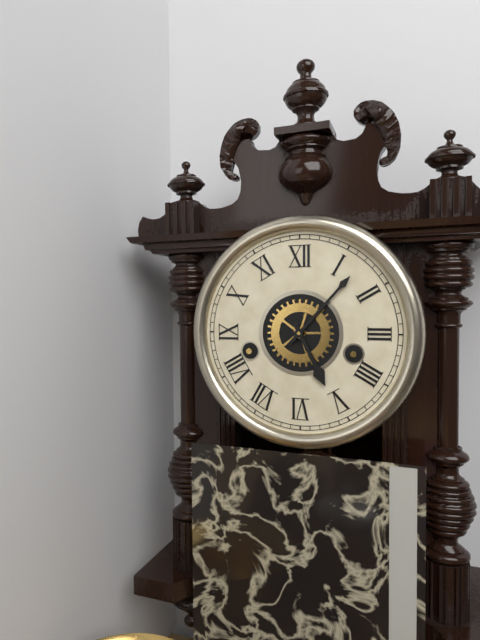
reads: 5,07
